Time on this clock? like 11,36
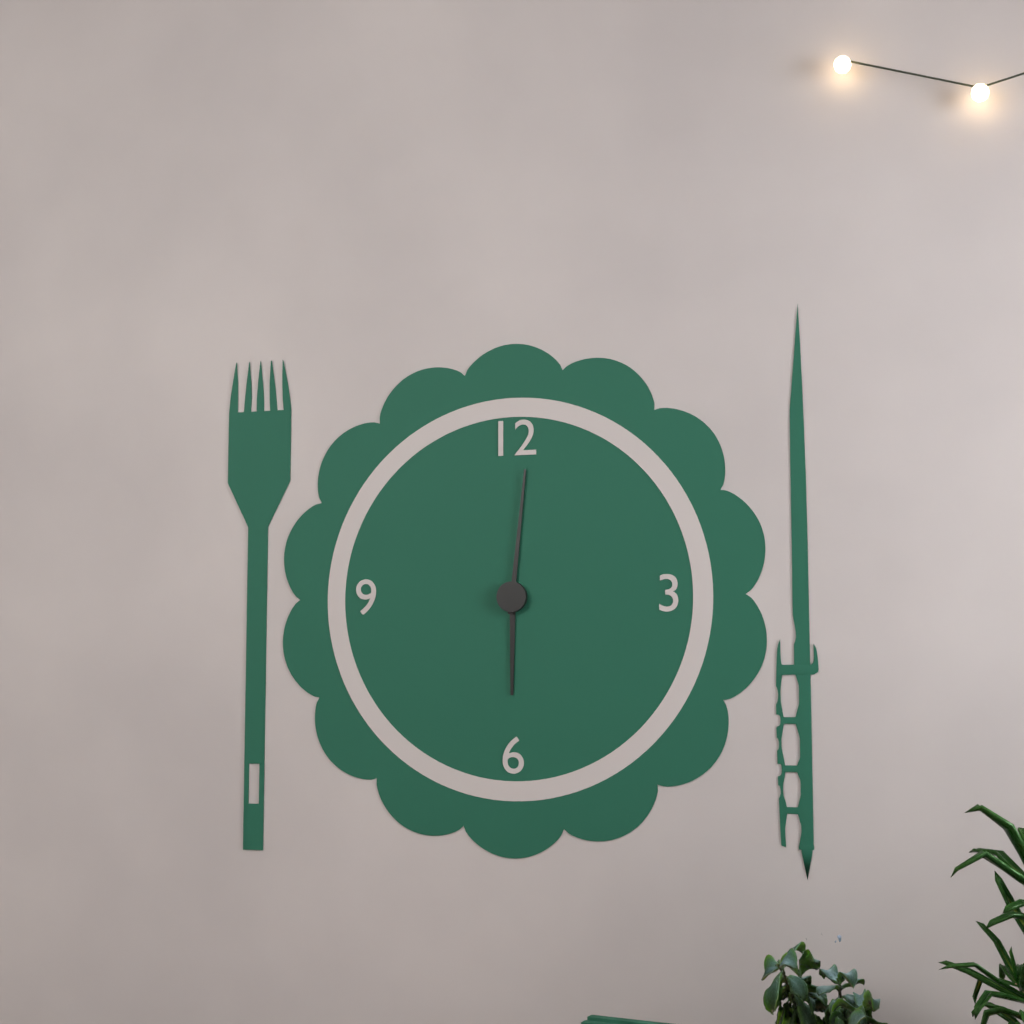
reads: 6,01
